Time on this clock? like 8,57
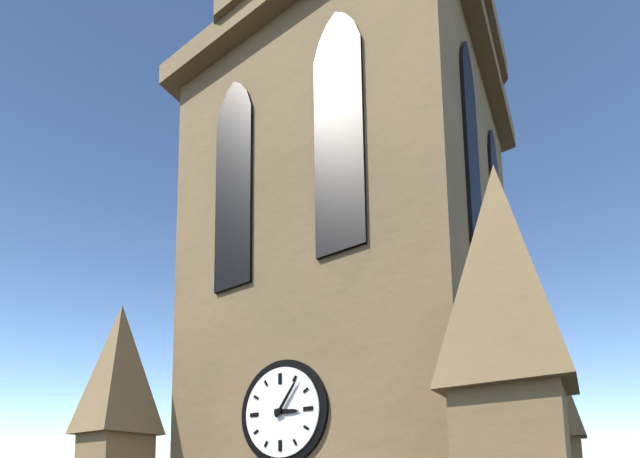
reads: 3,06
